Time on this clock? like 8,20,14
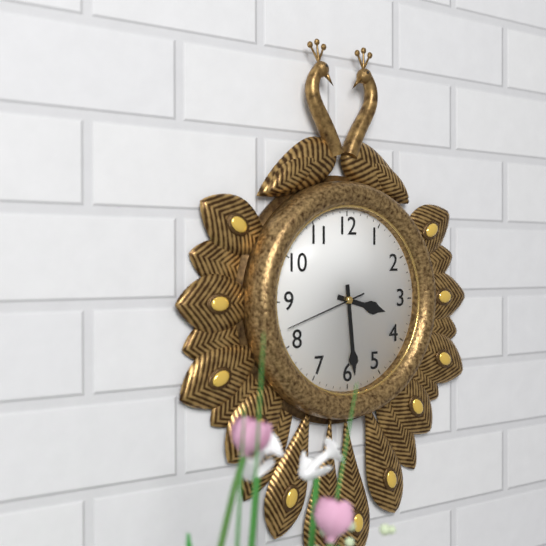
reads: 3,29,42
